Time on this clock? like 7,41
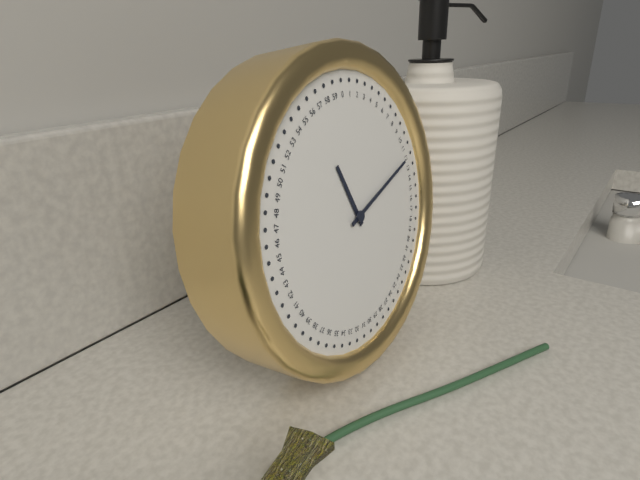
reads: 11,12
